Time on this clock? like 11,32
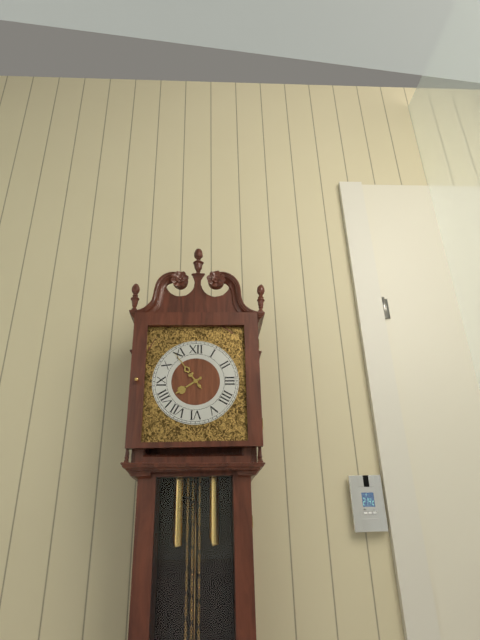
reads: 7,54
